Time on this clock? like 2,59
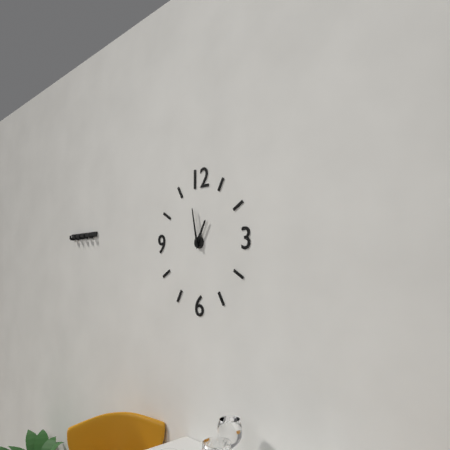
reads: 12,58
